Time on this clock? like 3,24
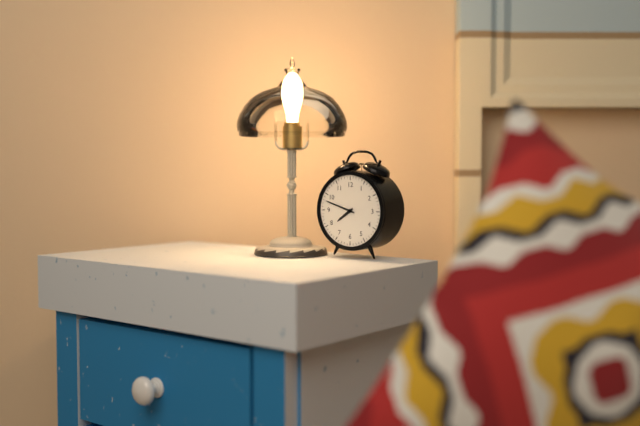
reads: 7,48
